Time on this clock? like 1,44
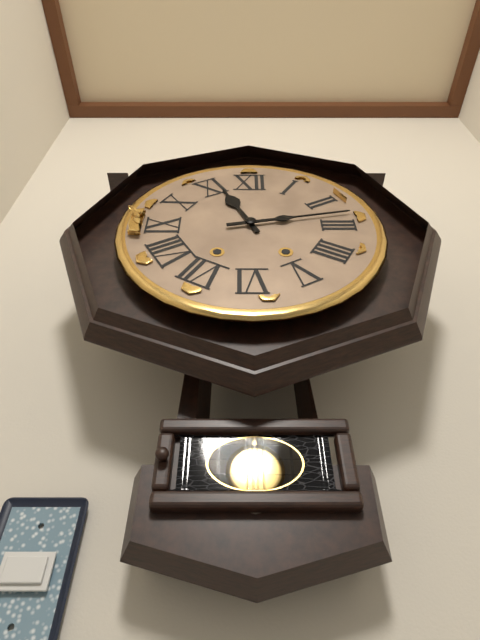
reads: 11,13
